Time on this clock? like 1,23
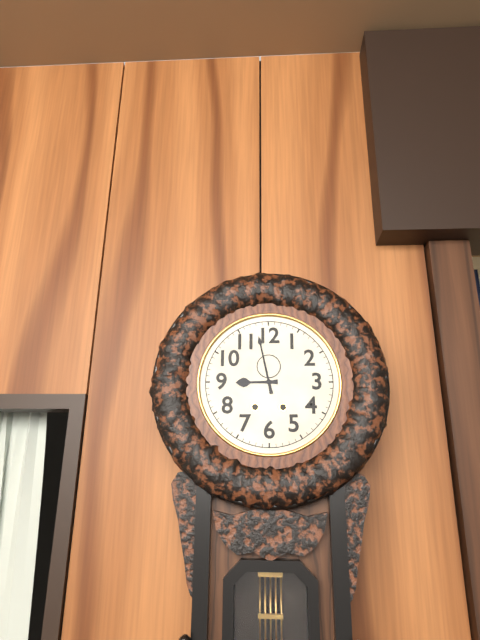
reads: 8,58
